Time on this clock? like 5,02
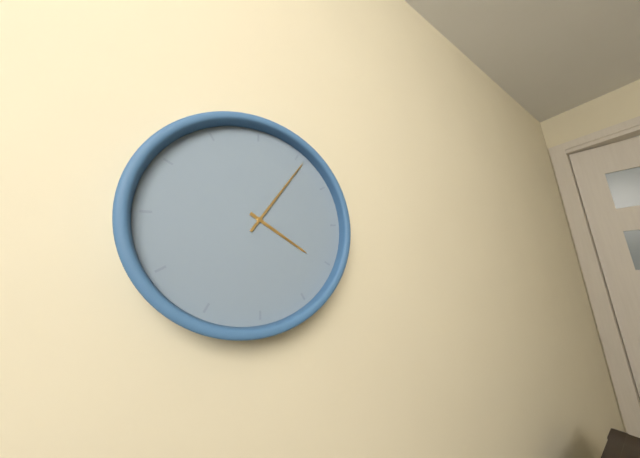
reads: 4,06
